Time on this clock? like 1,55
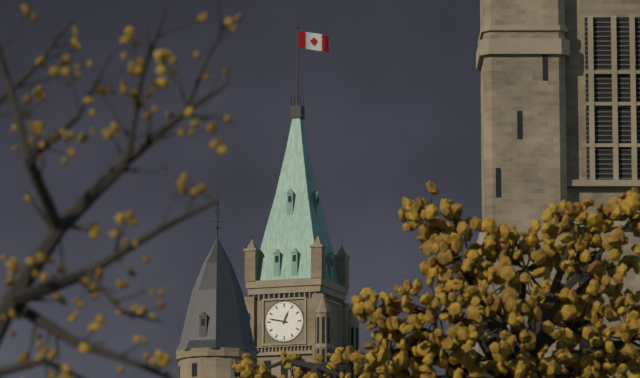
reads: 12,47
